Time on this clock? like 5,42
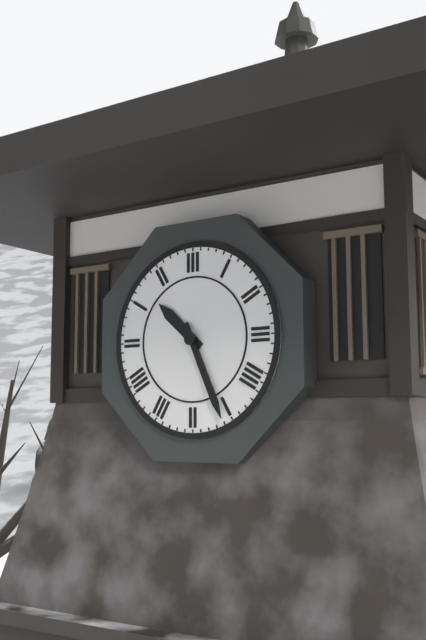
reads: 10,26
